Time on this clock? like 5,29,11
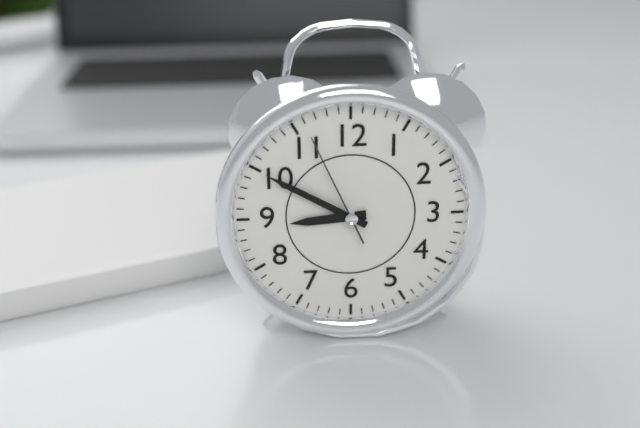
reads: 8,50,56
